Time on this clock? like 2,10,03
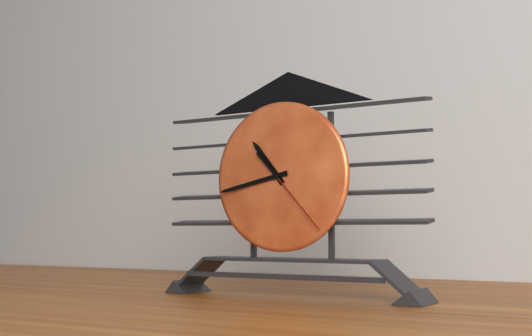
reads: 10,43,23
